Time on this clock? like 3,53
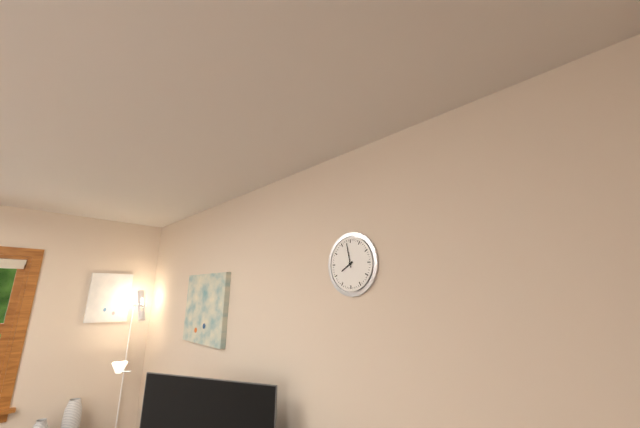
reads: 7,58
